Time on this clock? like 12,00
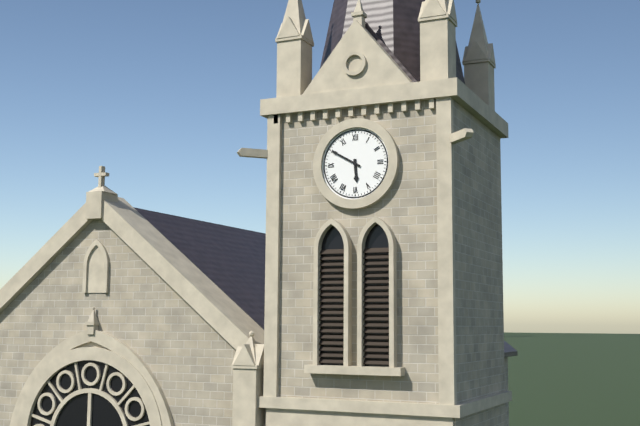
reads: 5,50
